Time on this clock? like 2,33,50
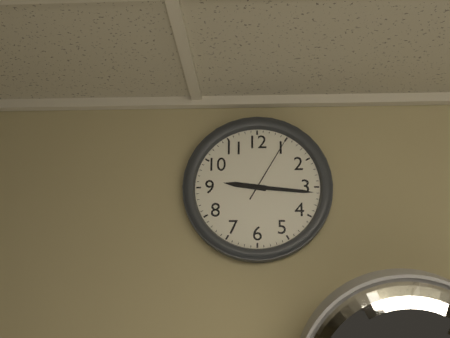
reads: 9,16,05
